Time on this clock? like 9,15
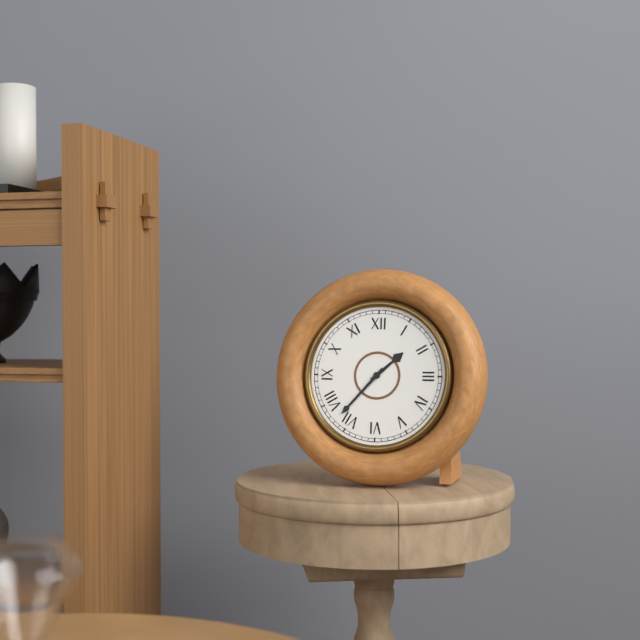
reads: 1,37
